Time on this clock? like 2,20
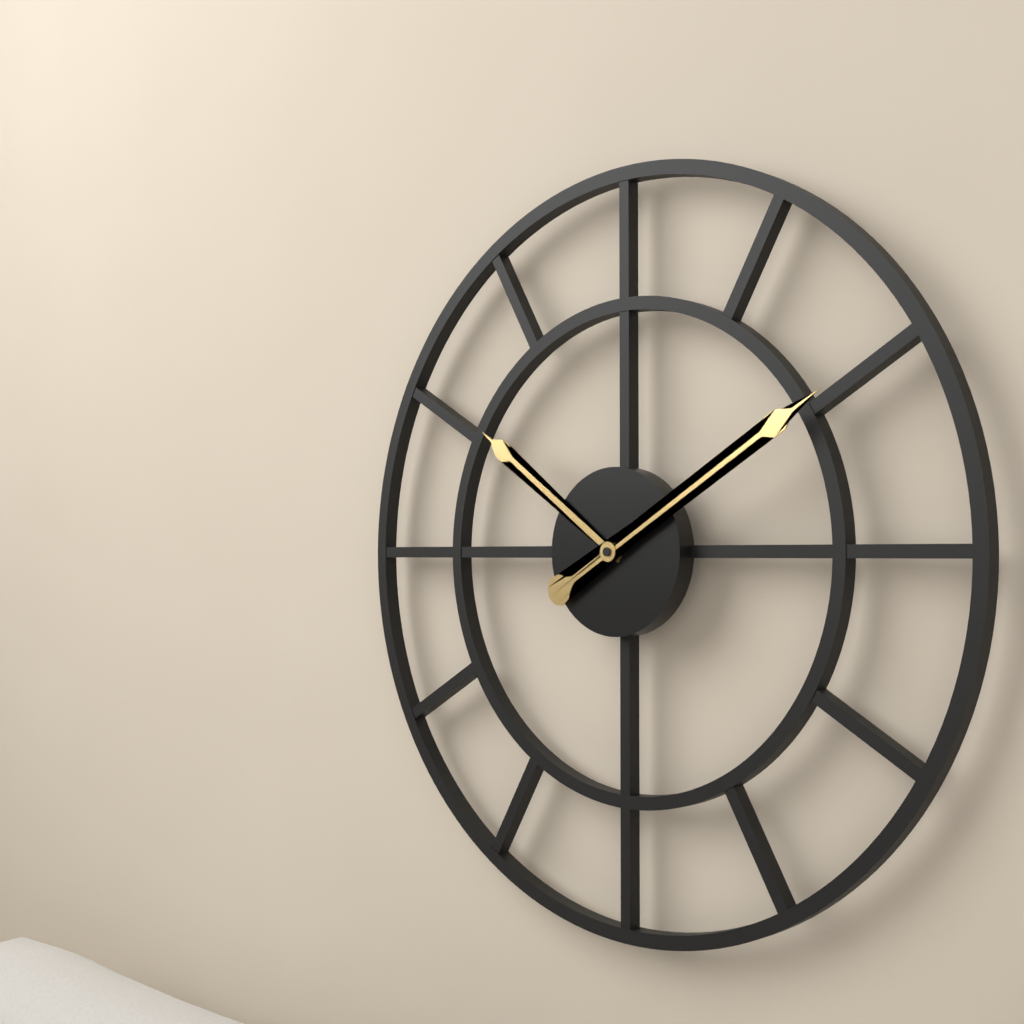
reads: 10,10
